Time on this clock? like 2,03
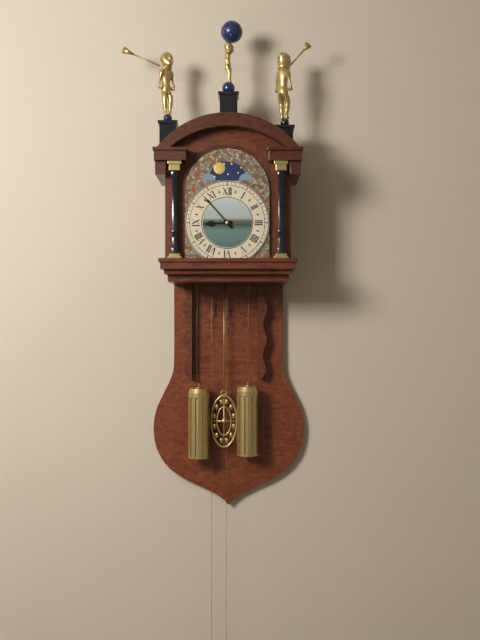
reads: 8,53
